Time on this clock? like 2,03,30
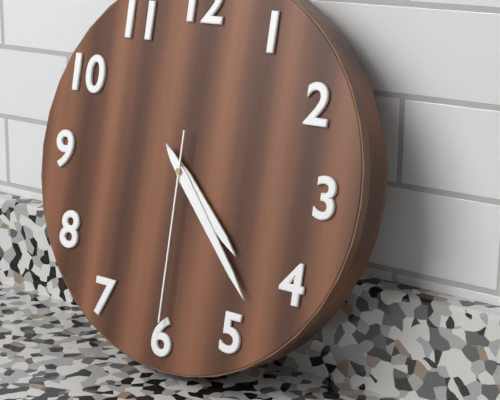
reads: 4,23,30
